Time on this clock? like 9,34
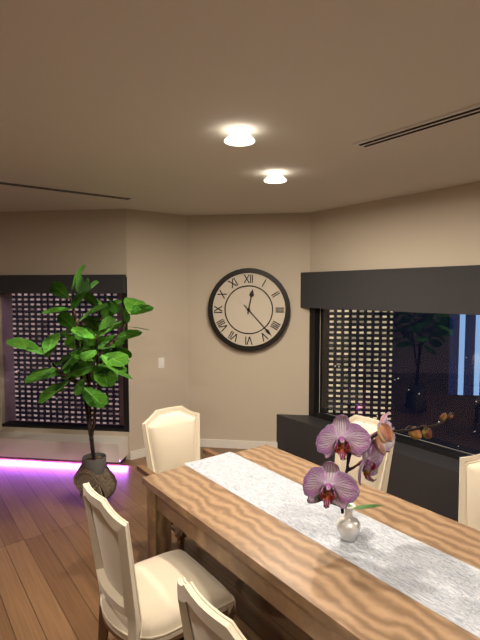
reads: 12,23
